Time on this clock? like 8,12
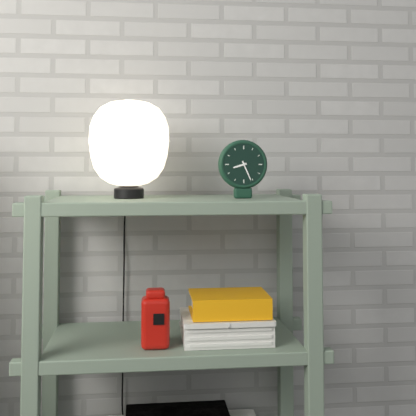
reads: 8,26
